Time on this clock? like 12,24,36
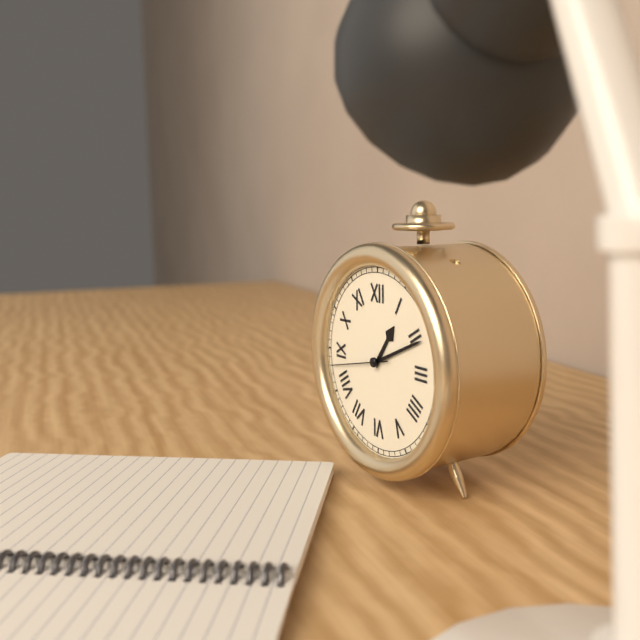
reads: 1,11,43
